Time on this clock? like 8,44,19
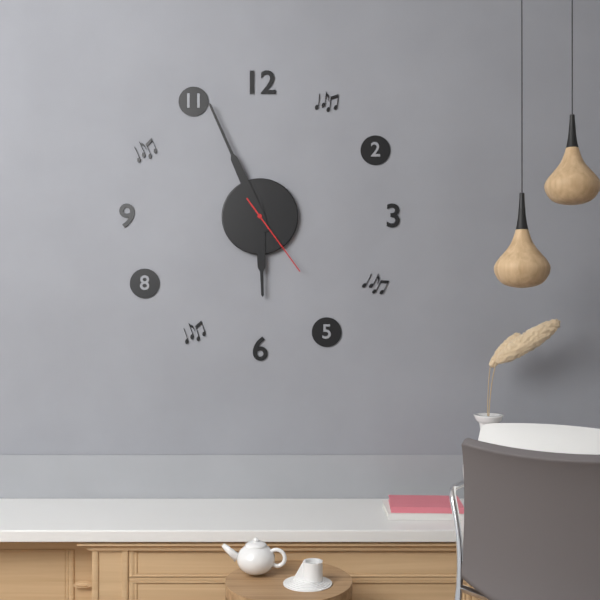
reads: 5,56,24
